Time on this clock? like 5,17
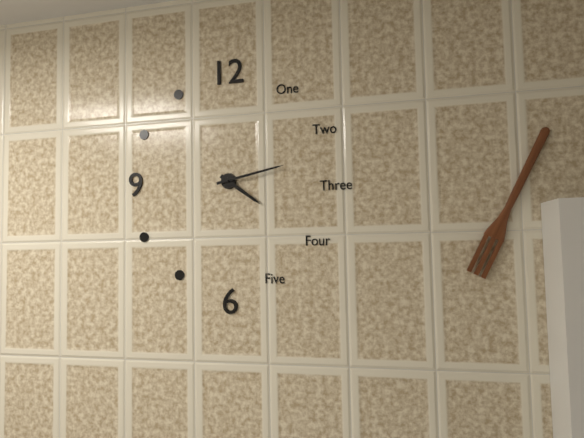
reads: 4,13
